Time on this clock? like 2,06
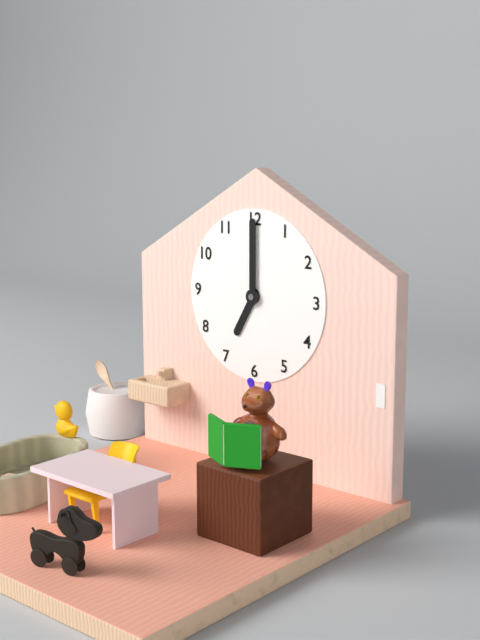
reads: 7,00
